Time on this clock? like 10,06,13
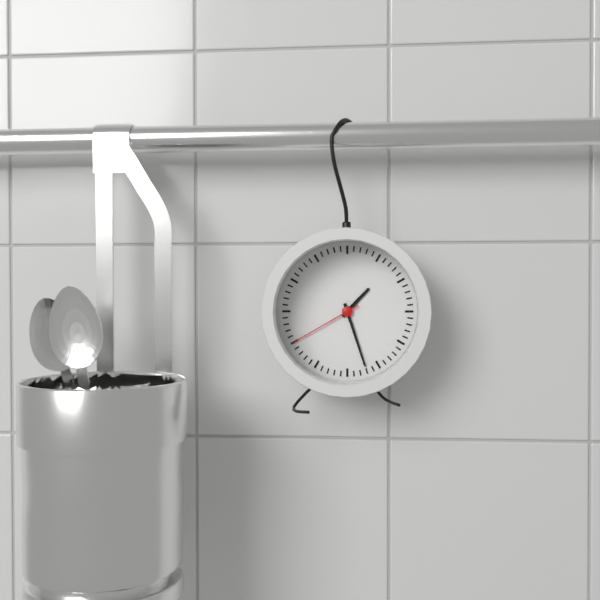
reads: 1,27,40
